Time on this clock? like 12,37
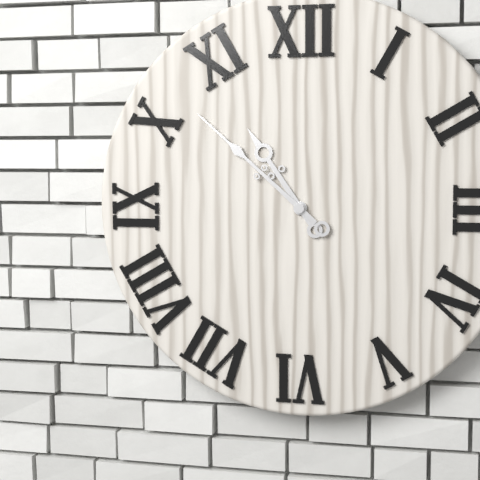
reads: 10,52
